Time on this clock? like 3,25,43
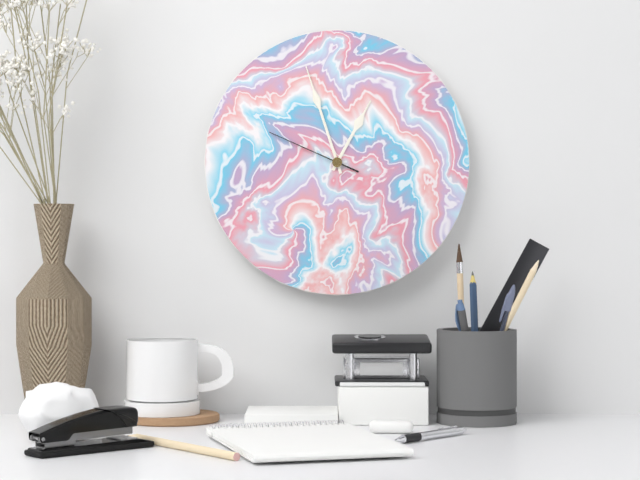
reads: 12,57,49
